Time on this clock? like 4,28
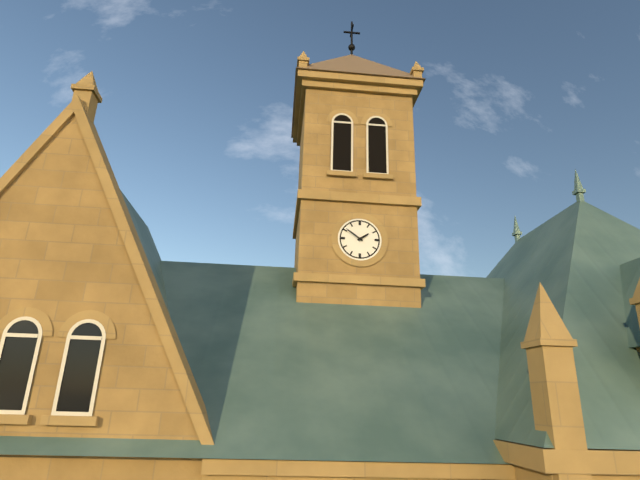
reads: 1,51
